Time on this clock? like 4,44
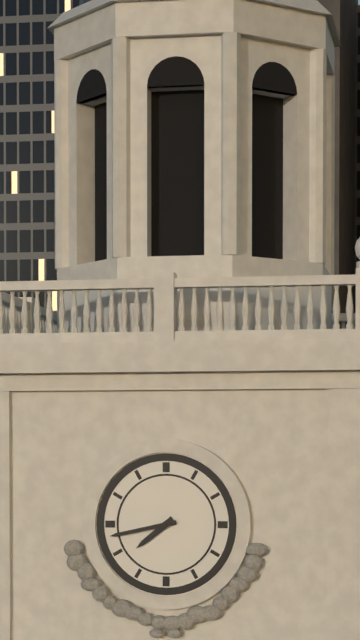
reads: 7,43
